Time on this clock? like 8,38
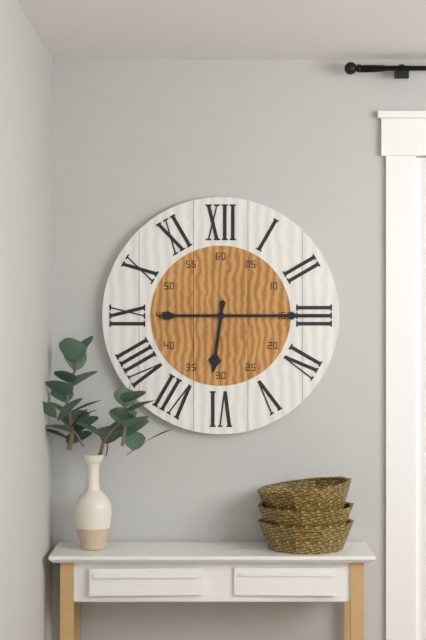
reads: 6,15
